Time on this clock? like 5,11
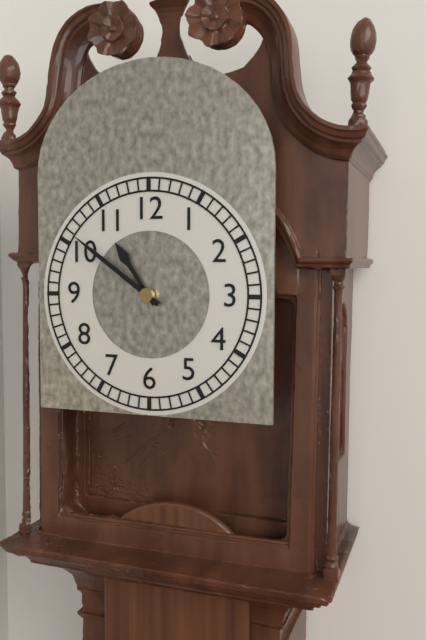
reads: 10,51
